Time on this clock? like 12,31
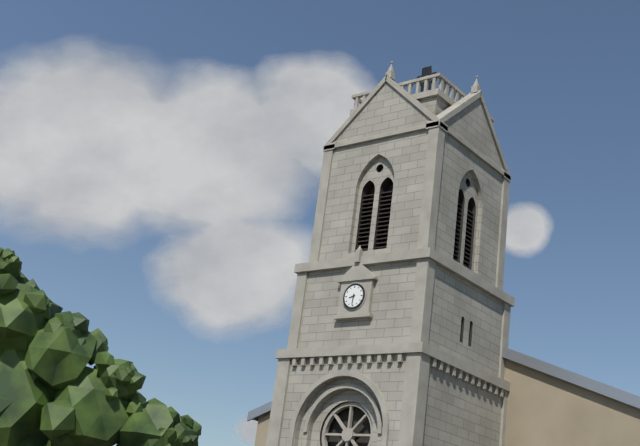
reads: 8,31
